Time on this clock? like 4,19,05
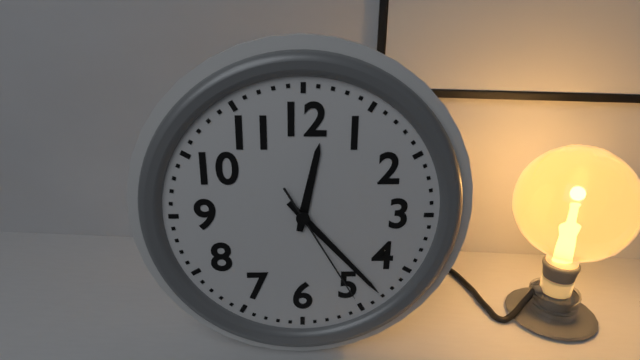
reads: 12,23,25
